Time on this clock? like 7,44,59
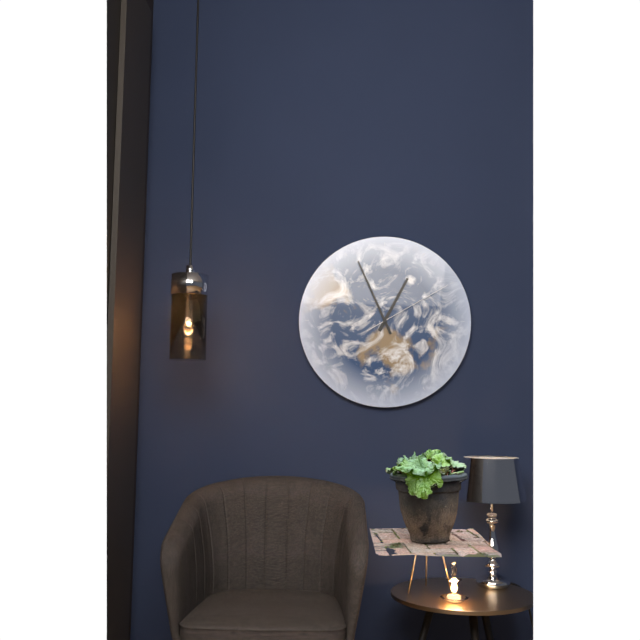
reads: 12,56,10
